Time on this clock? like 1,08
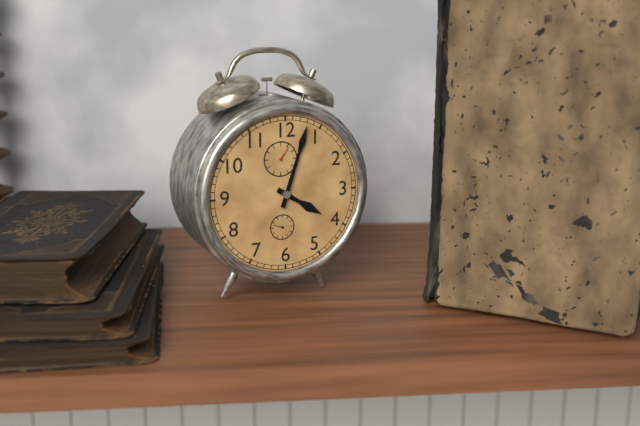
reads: 4,03
